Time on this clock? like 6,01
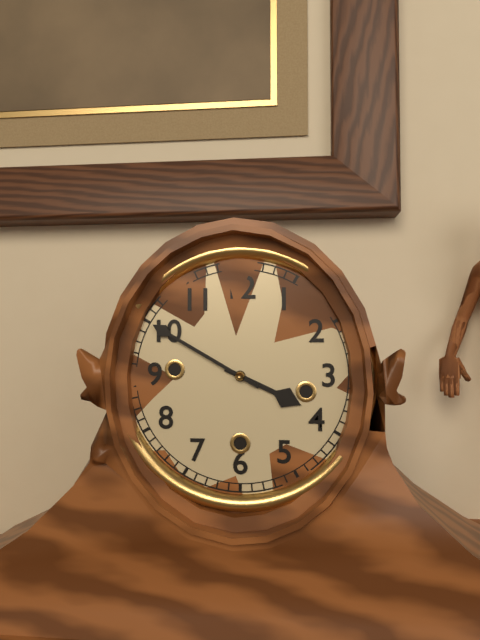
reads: 3,50
